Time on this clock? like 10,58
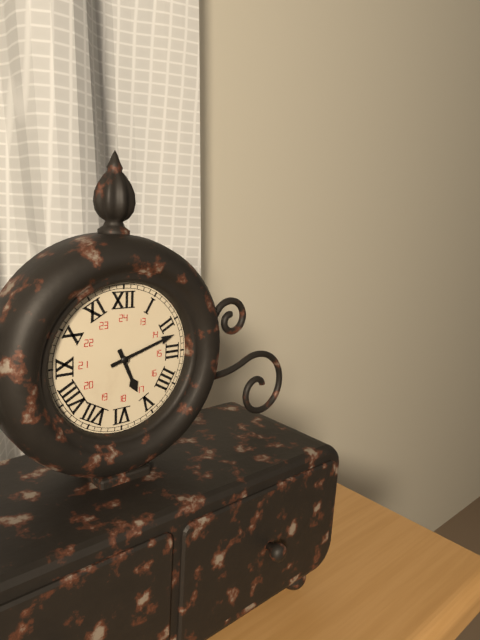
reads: 5,12
